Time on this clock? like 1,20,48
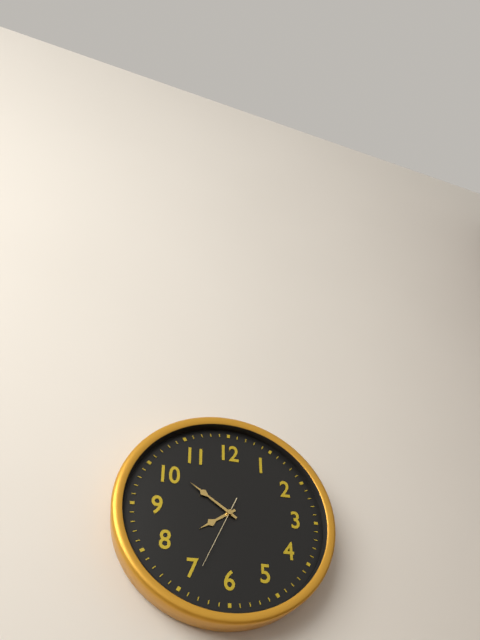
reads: 7,51,34
